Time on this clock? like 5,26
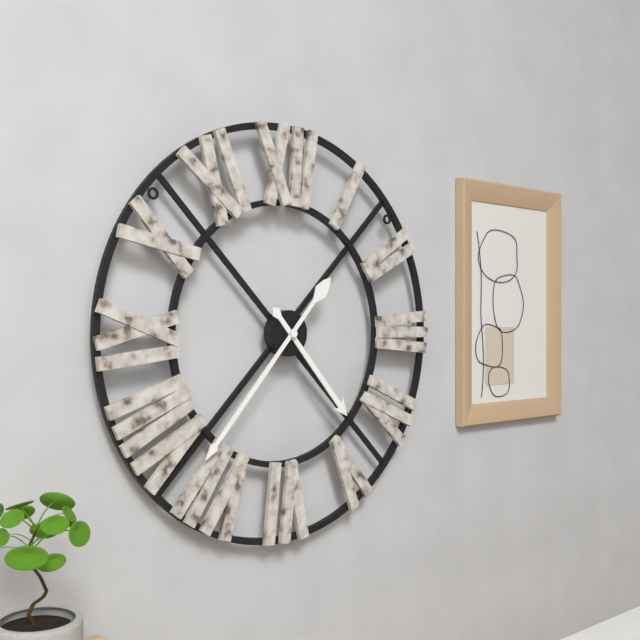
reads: 4,37
